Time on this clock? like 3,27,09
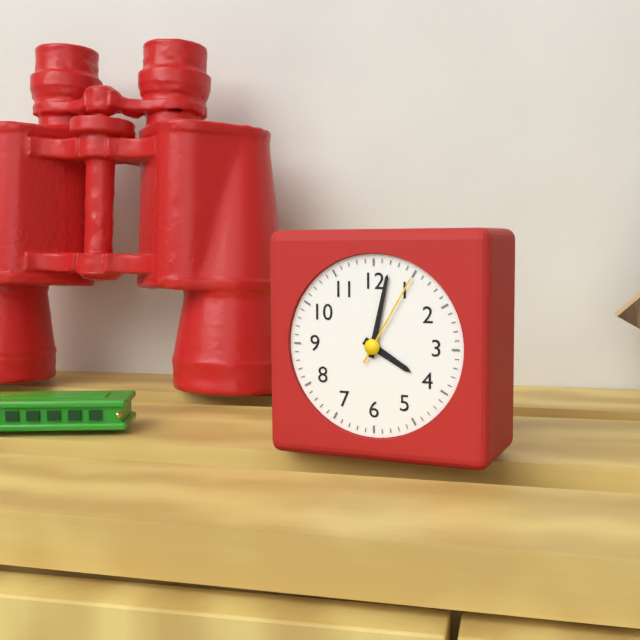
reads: 4,02,05
